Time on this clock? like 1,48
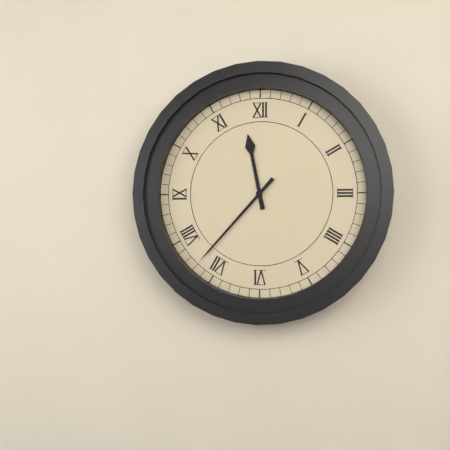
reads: 11,37
